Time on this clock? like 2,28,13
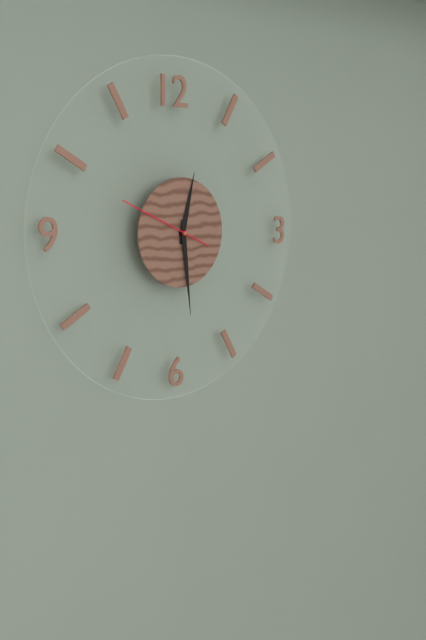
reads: 12,29,49
